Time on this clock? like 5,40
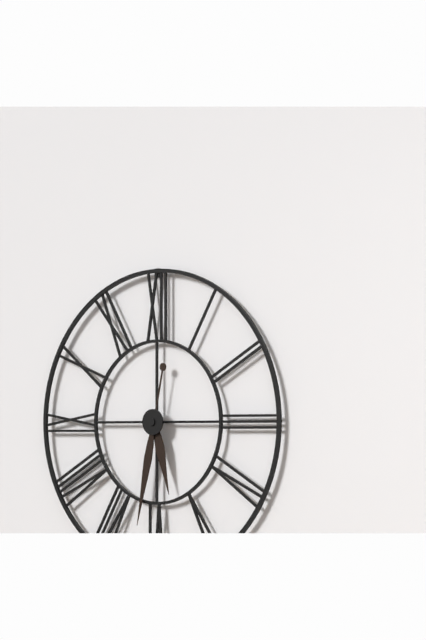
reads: 5,32
